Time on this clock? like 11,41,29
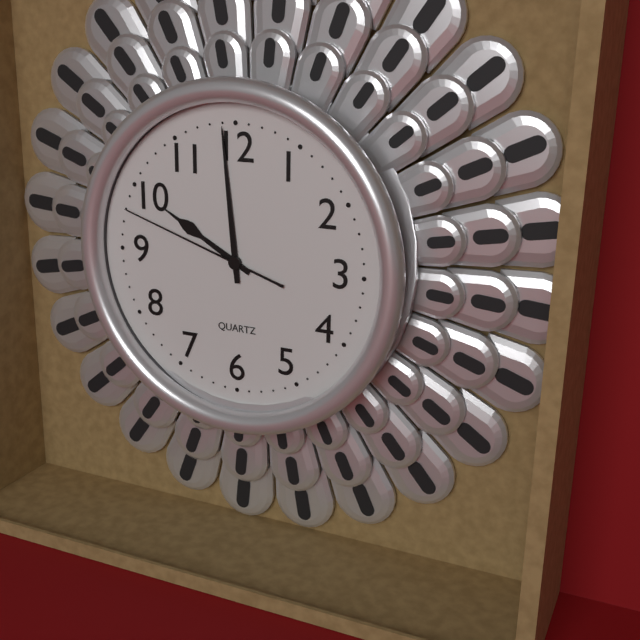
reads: 9,59,48
